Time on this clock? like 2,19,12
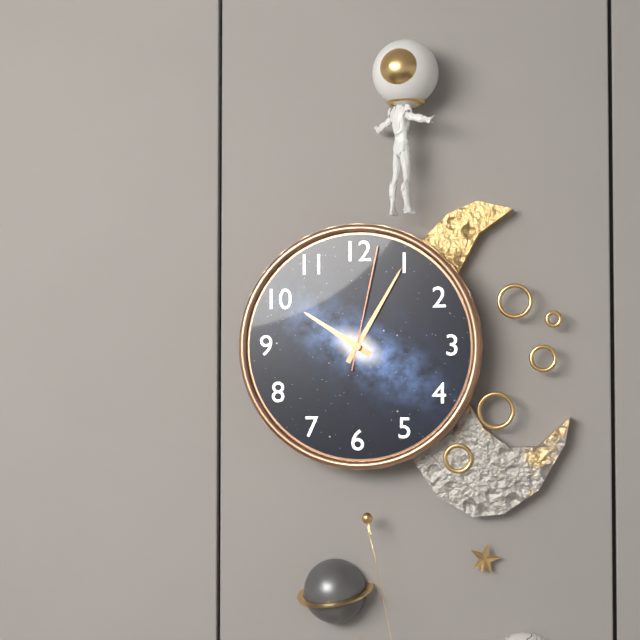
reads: 10,05,02
